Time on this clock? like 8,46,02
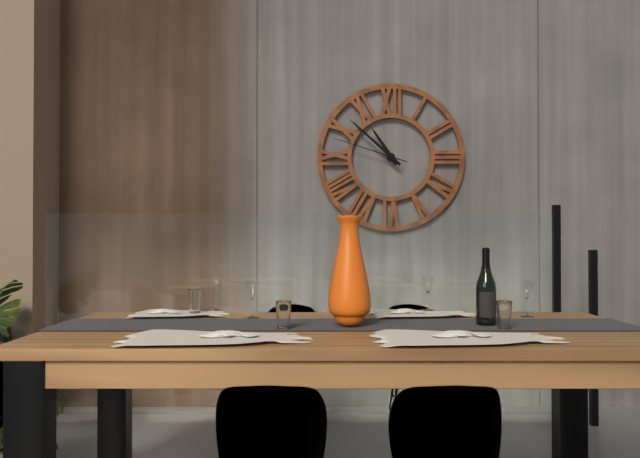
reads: 10,52,48
